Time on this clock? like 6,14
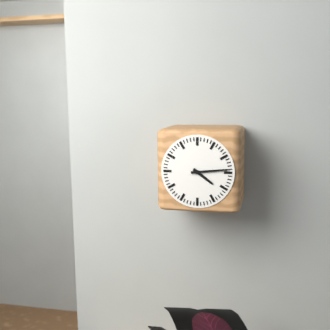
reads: 4,14
